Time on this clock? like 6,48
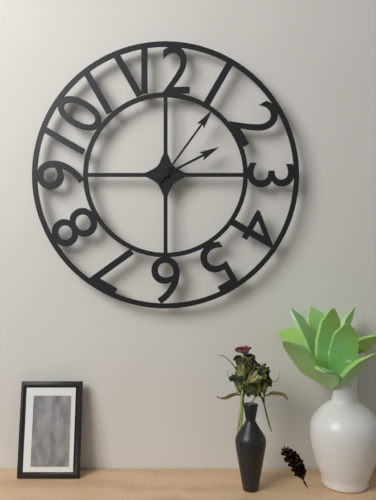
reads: 2,06
